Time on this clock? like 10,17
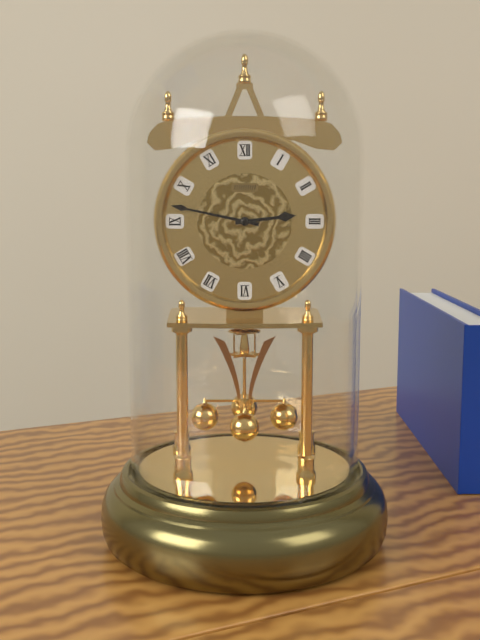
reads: 2,47
